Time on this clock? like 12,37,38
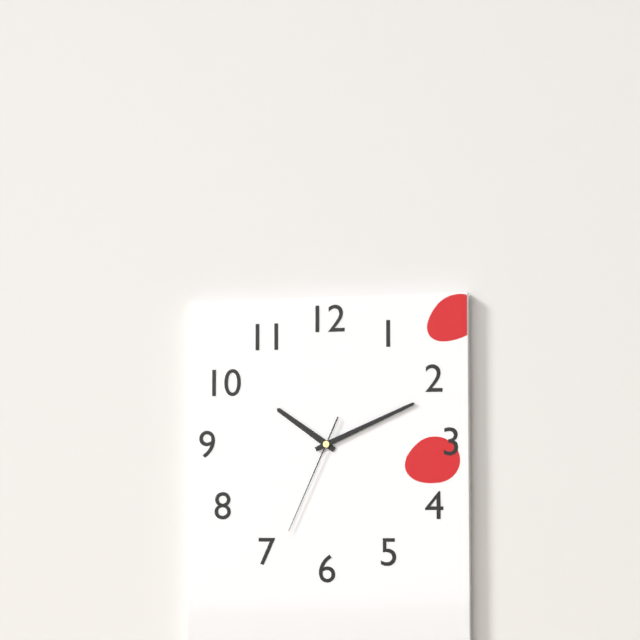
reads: 10,11,34
